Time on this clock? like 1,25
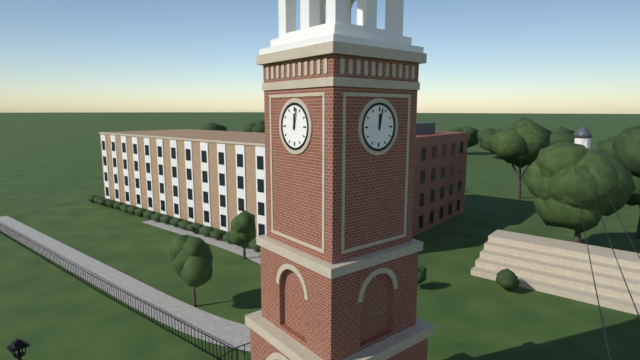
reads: 12,02
